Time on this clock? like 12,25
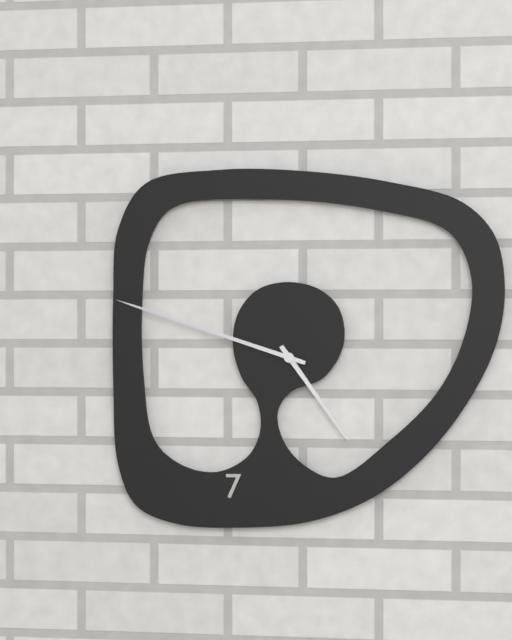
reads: 4,48
